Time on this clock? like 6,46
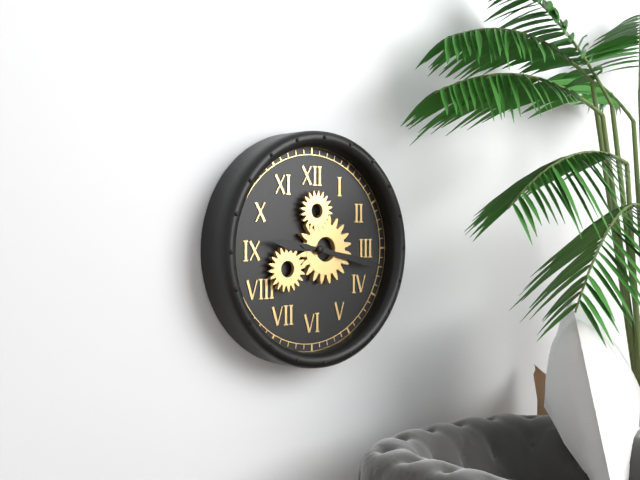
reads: 9,17
